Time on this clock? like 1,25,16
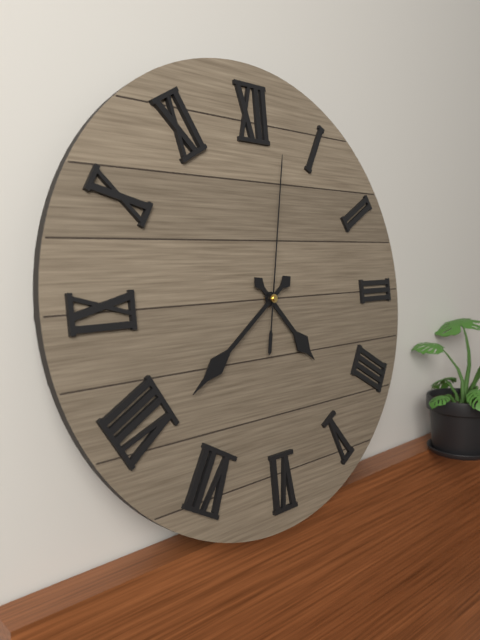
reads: 4,39,02
